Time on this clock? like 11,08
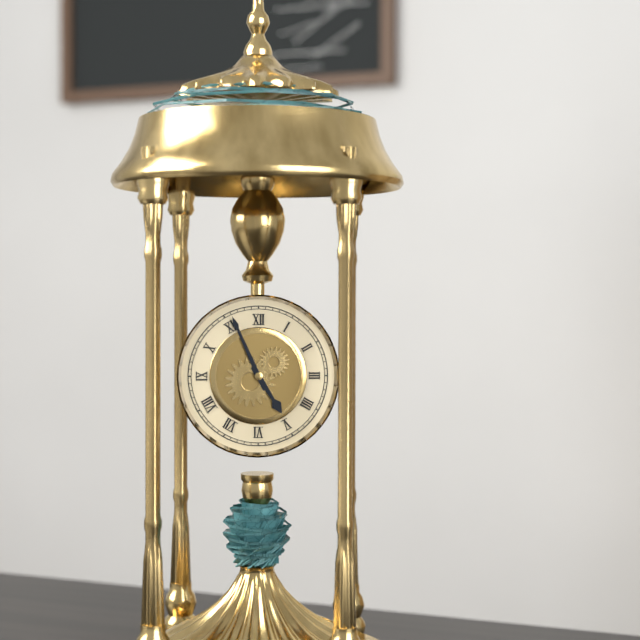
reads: 4,56
